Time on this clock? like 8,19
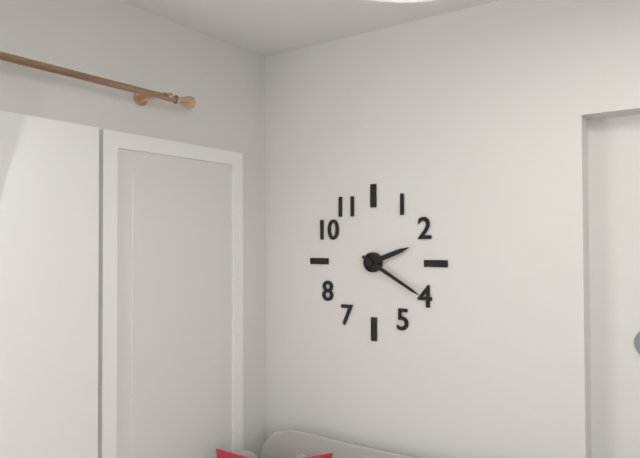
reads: 2,20
